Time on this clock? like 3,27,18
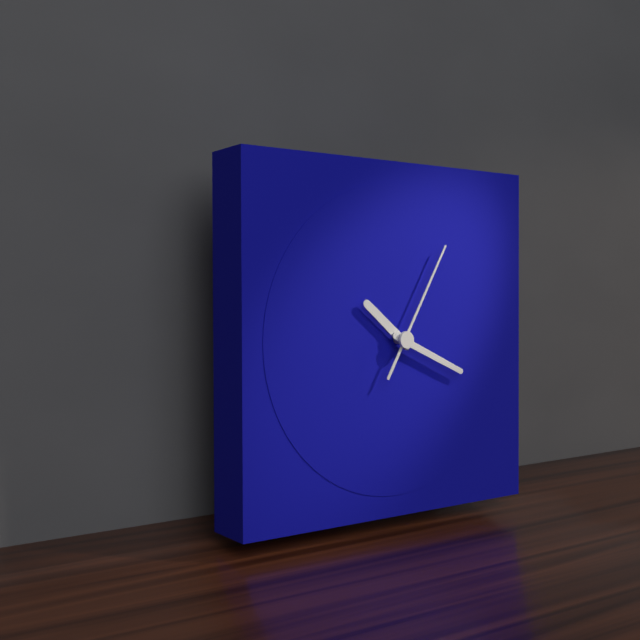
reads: 10,19,05
